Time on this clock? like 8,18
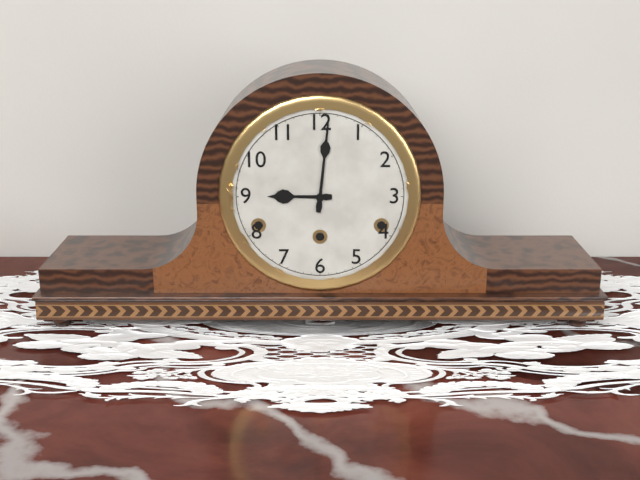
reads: 9,01
